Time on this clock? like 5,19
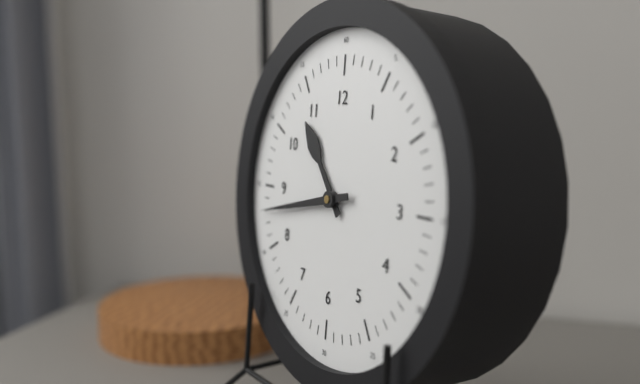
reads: 10,43
